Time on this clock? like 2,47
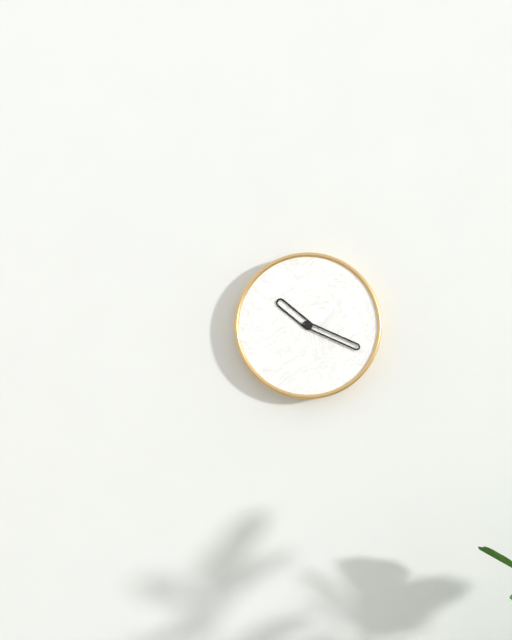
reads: 10,19
